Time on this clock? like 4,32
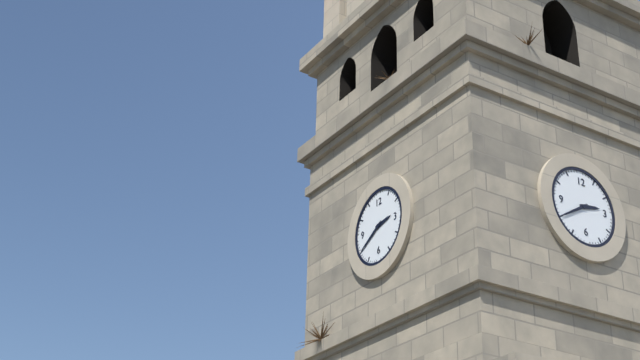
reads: 2,40
